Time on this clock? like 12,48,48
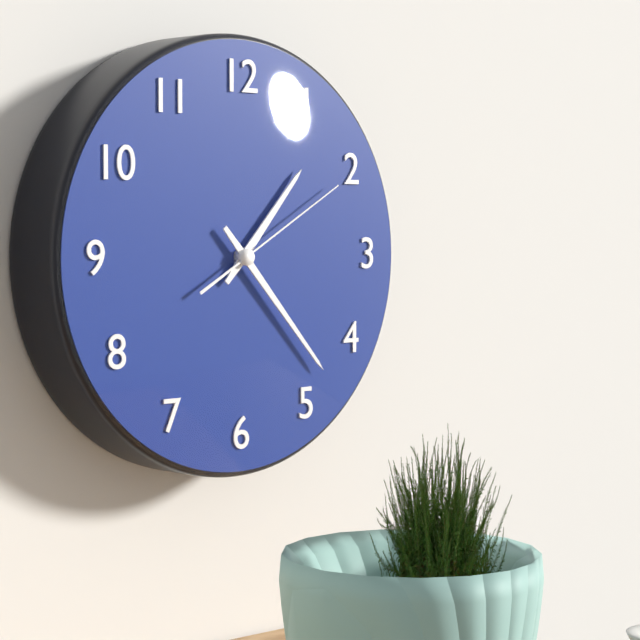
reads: 1,23,10
